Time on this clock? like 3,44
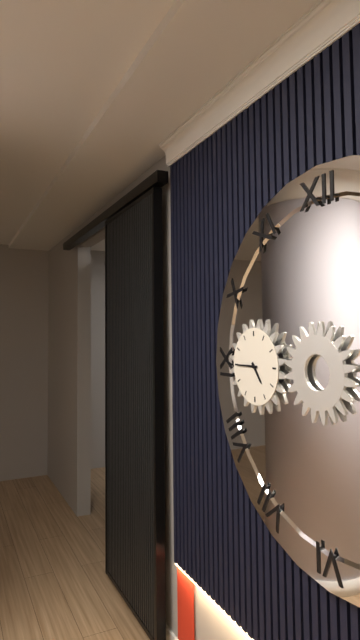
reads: 4,45
